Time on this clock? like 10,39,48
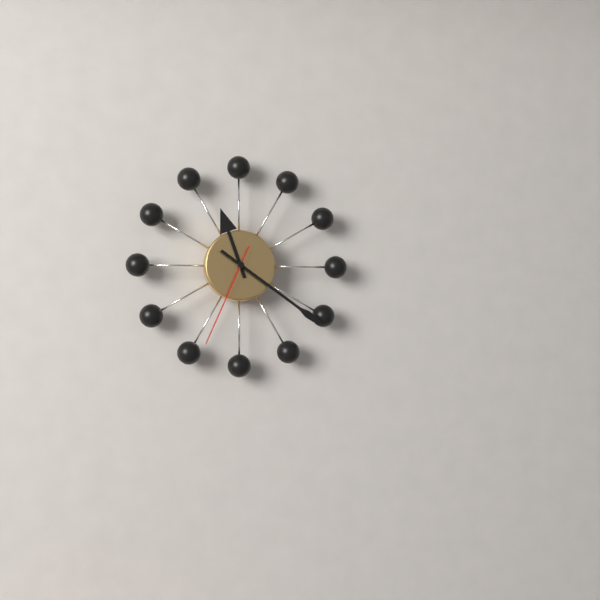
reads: 11,21,34
